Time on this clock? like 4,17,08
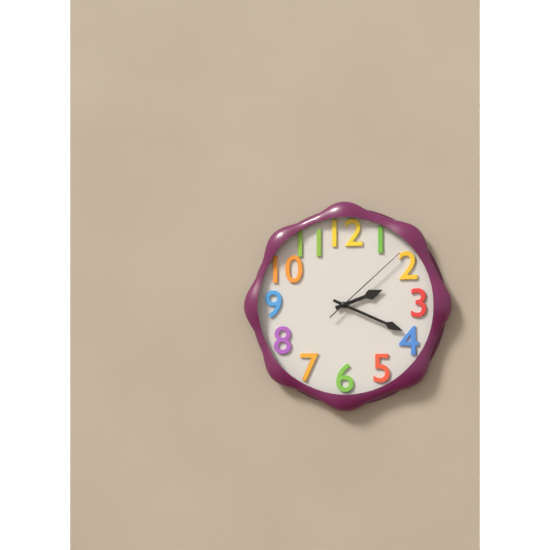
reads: 2,19,08
